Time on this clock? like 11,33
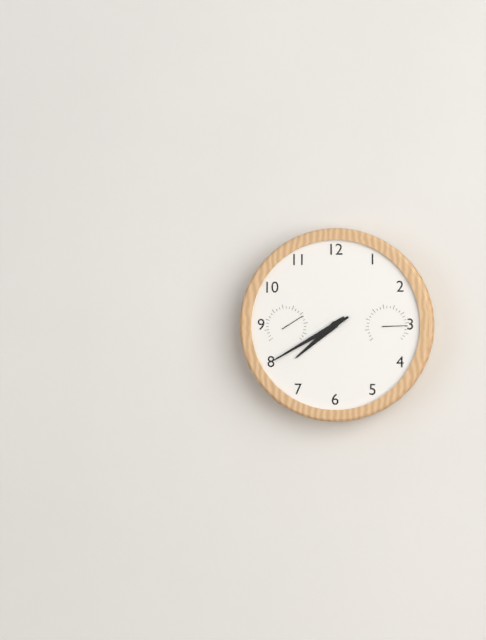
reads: 7,40
